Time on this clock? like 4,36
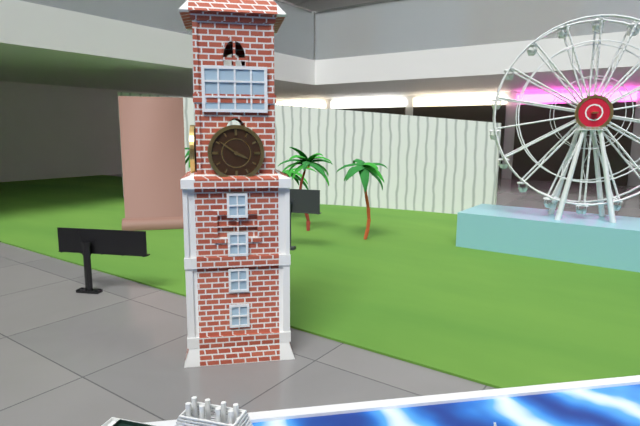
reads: 3,51
